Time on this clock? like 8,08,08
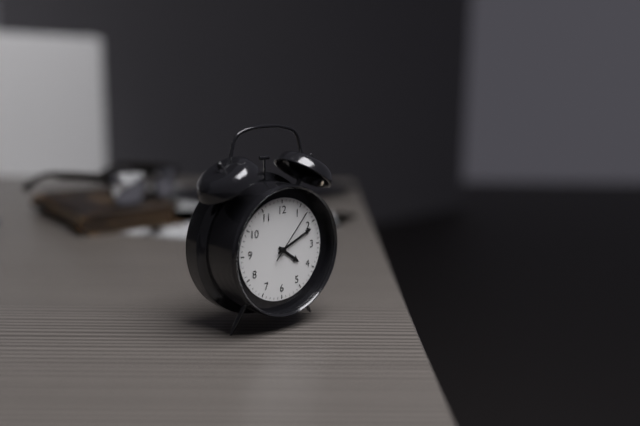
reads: 4,11,07
